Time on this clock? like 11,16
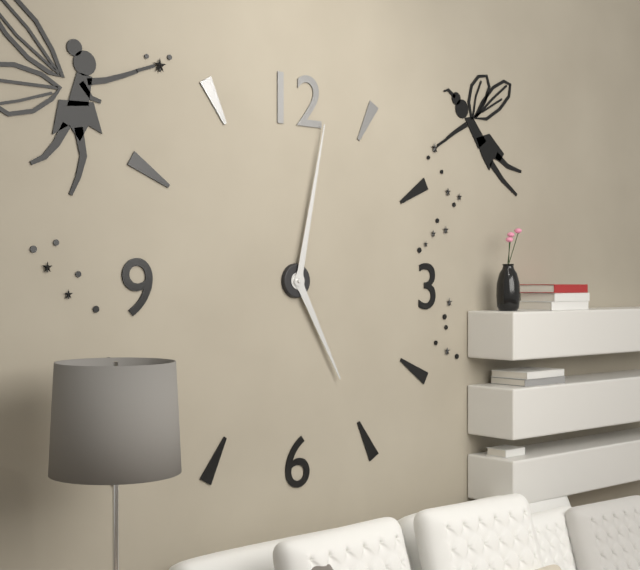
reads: 5,02
